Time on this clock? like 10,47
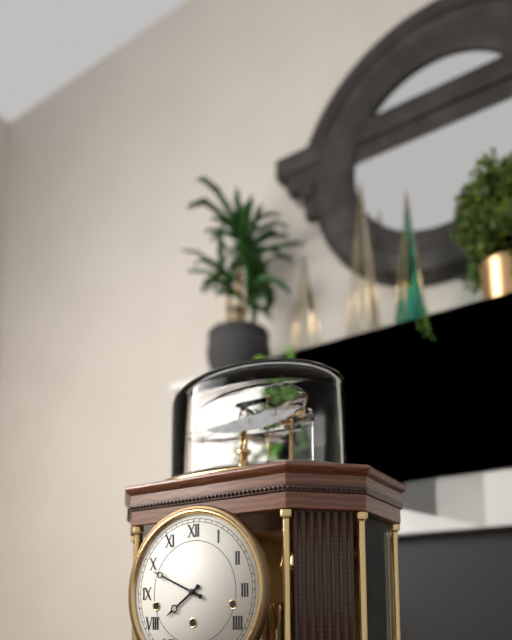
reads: 7,49
